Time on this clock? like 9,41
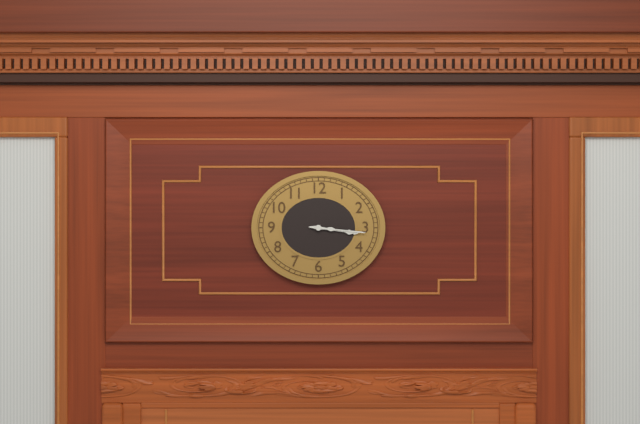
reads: 3,16
